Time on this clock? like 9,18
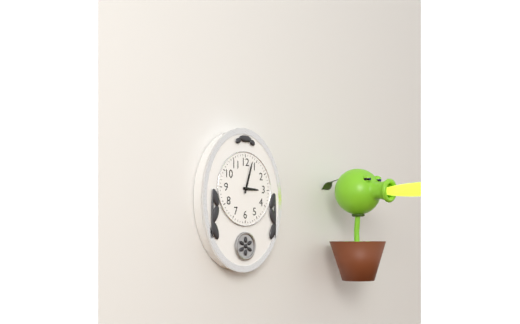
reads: 3,03
